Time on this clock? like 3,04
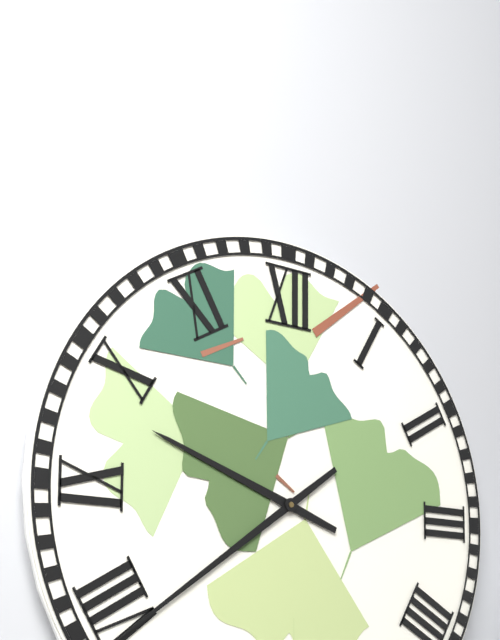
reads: 9,39
